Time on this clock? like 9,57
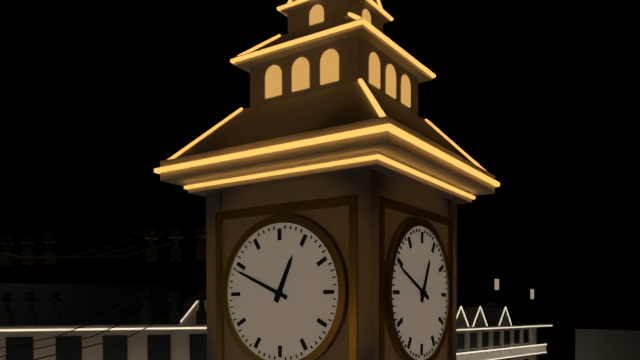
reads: 12,49
